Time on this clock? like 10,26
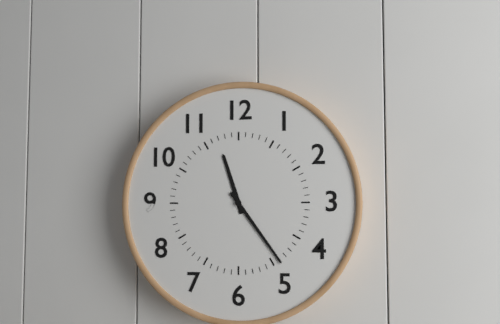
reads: 11,24
